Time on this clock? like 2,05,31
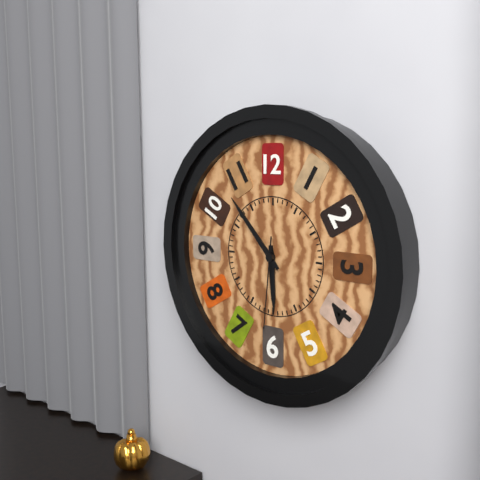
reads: 5,53,31
